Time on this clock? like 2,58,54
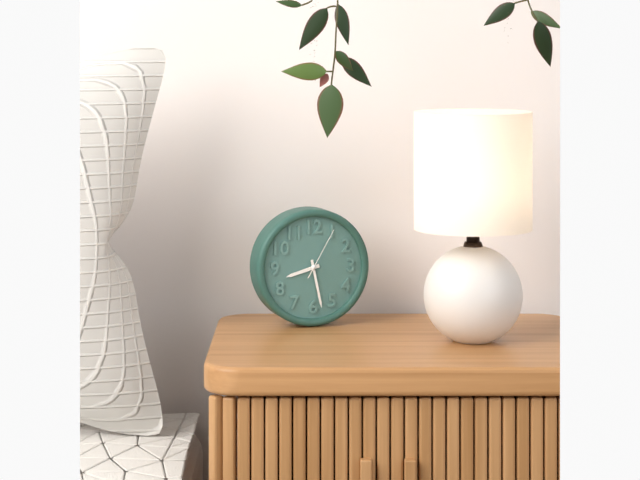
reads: 8,28,05
